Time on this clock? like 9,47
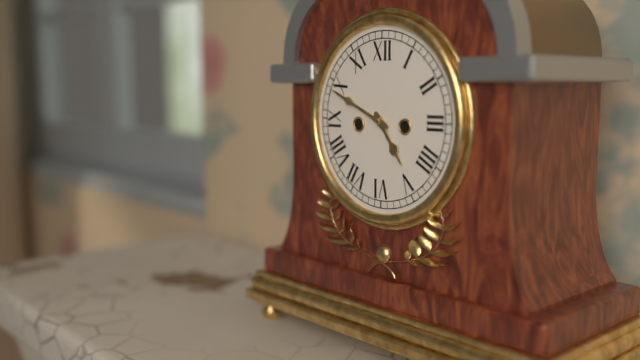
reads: 4,49
